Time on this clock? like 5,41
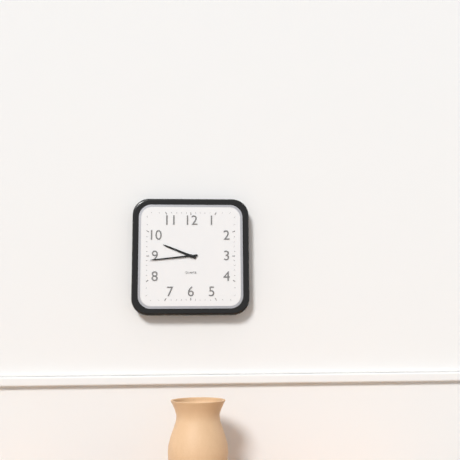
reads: 9,44
